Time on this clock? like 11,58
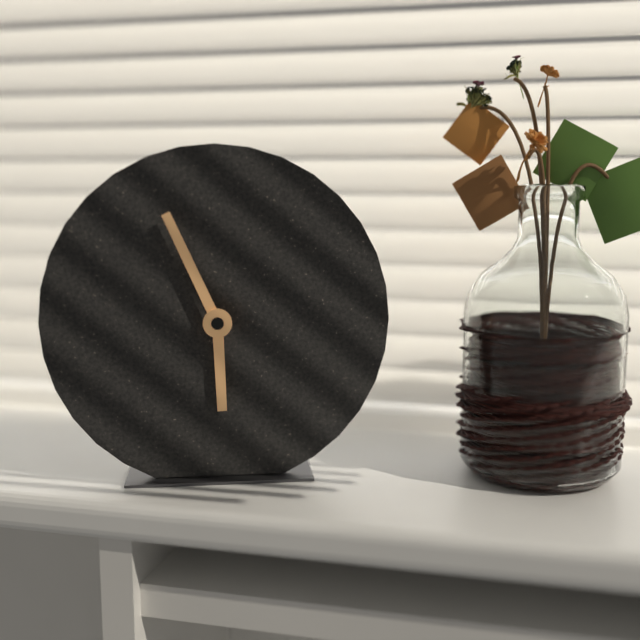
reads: 5,56
